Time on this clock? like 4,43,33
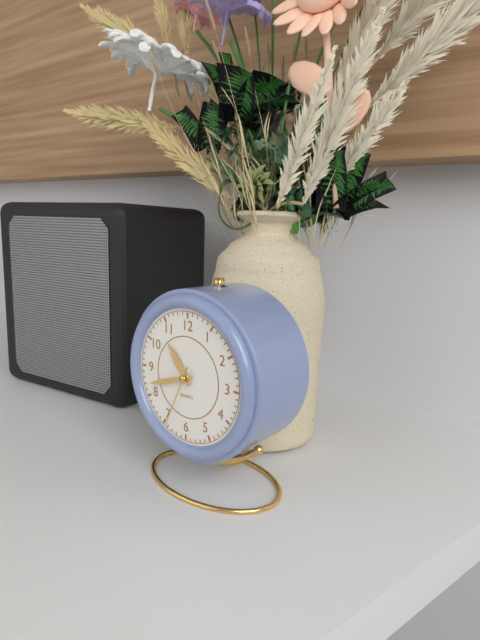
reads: 10,42,34
